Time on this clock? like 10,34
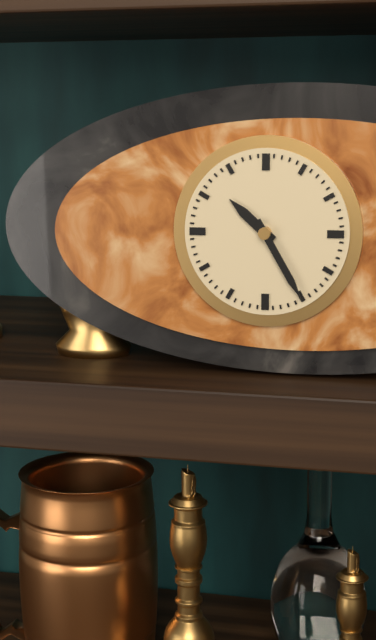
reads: 10,25
